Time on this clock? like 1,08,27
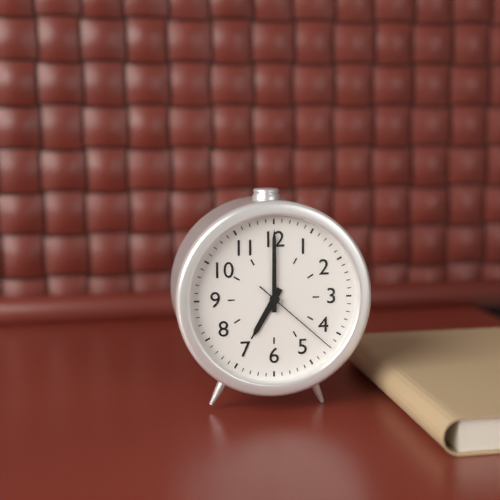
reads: 7,00,22
